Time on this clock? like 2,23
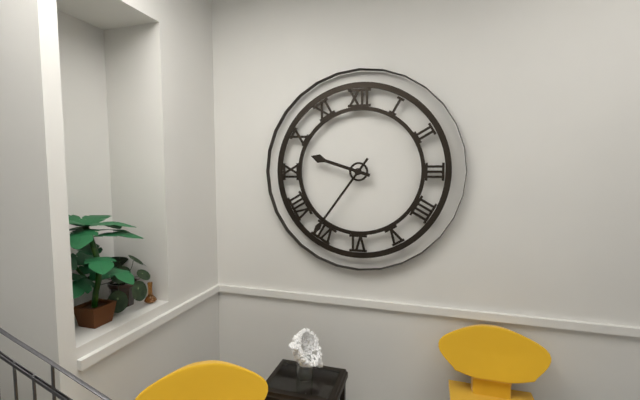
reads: 9,36
